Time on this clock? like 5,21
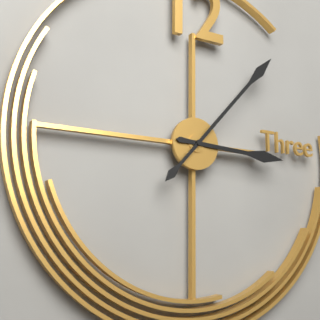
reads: 3,07
